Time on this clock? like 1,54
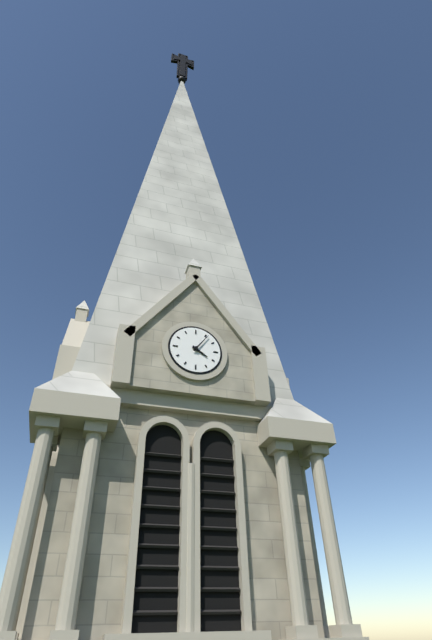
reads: 4,06
